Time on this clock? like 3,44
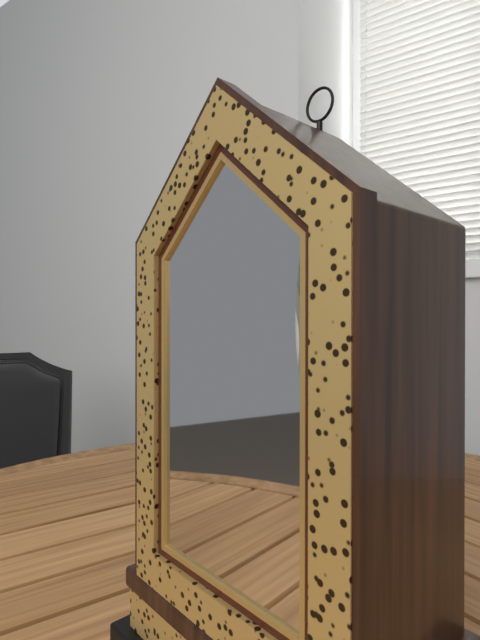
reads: 3,34
